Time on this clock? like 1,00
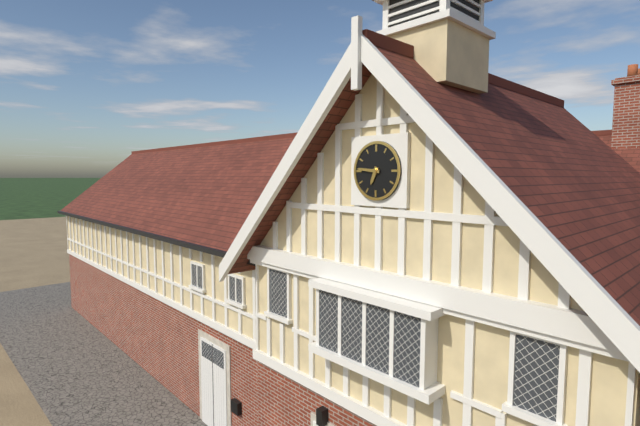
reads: 6,46
